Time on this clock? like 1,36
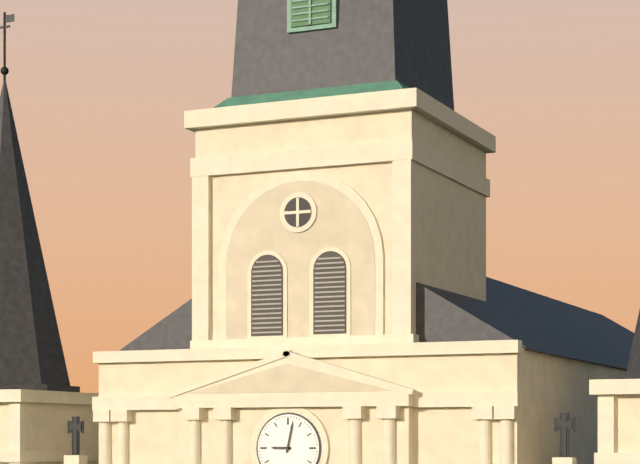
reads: 9,02
